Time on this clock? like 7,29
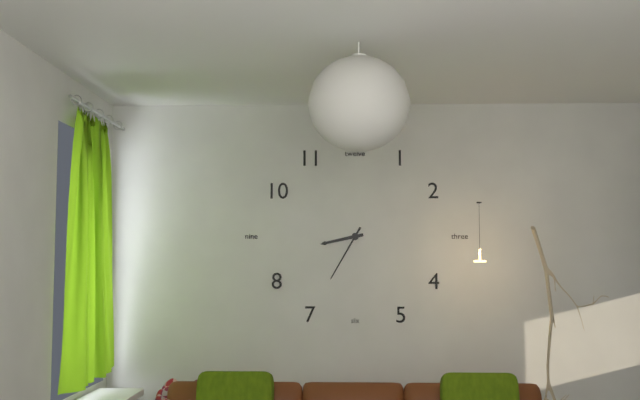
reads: 8,35
